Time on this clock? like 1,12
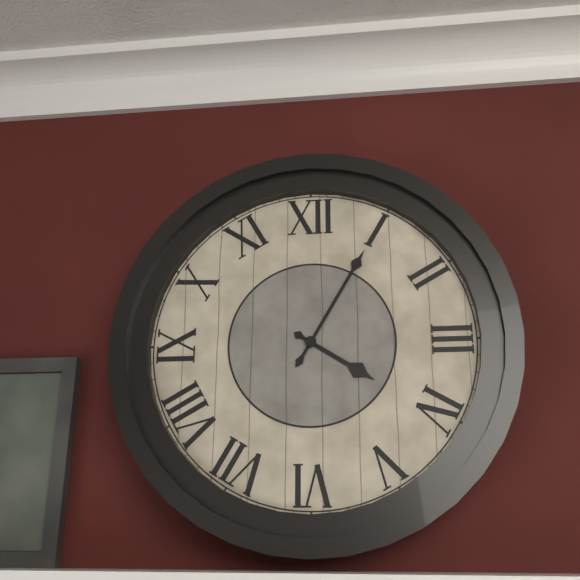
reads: 4,05
